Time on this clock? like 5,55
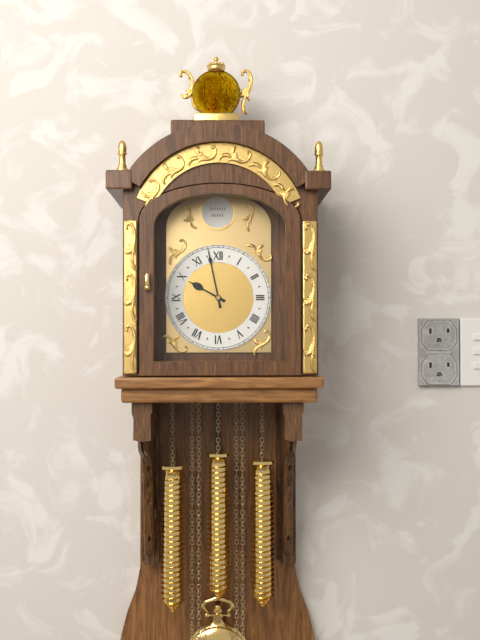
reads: 9,58
